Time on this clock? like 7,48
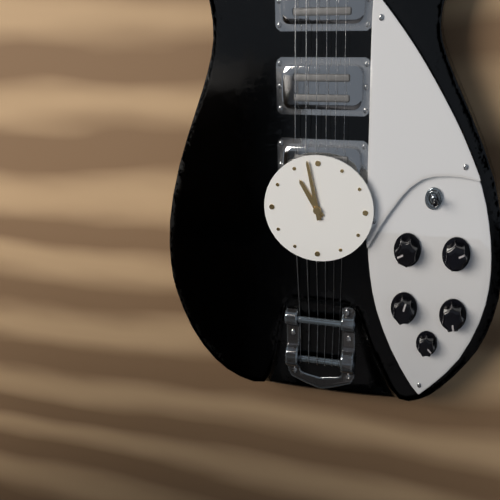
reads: 10,58
